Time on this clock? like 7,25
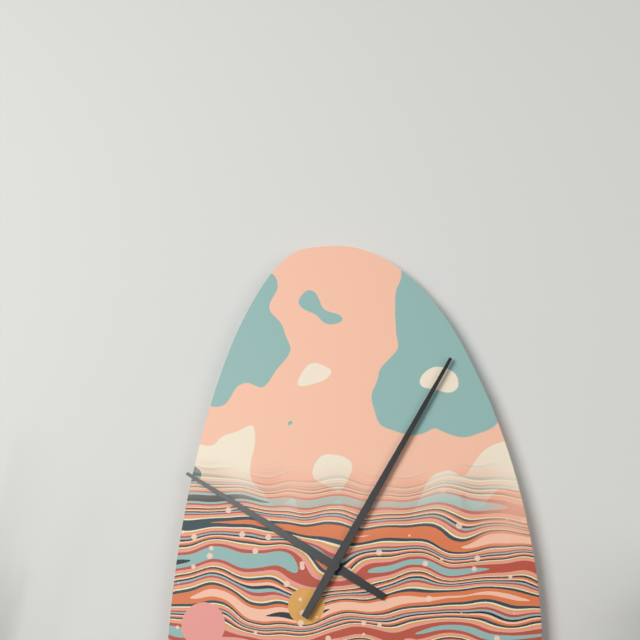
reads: 10,05
